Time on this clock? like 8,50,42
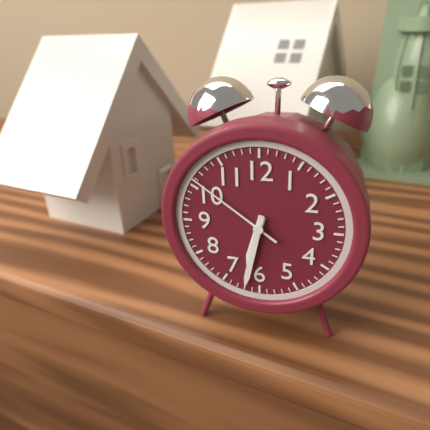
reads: 6,32,51
